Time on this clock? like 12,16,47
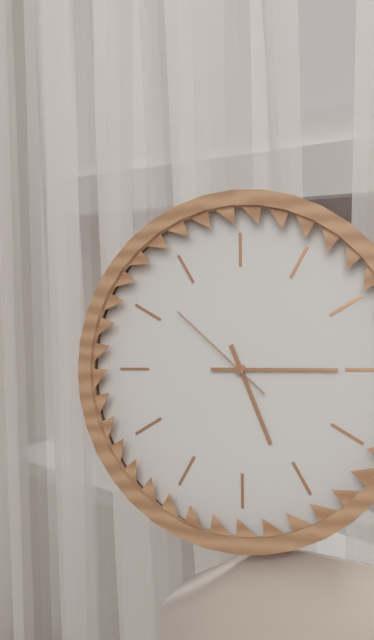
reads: 5,15,52
